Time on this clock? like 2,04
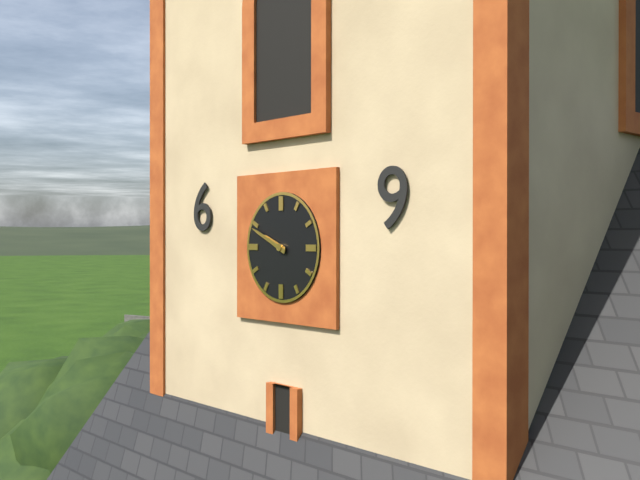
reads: 9,49
